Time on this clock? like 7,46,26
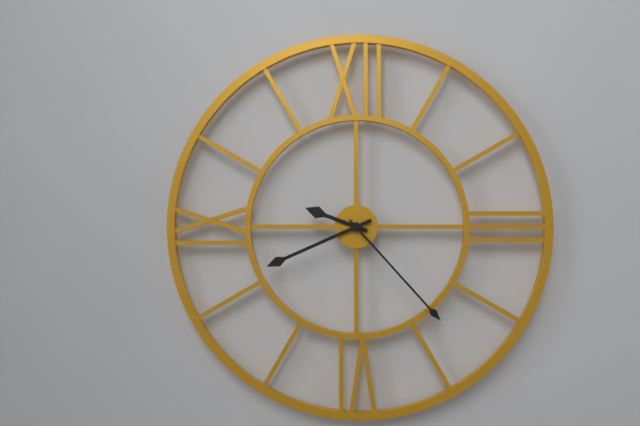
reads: 9,41,23
